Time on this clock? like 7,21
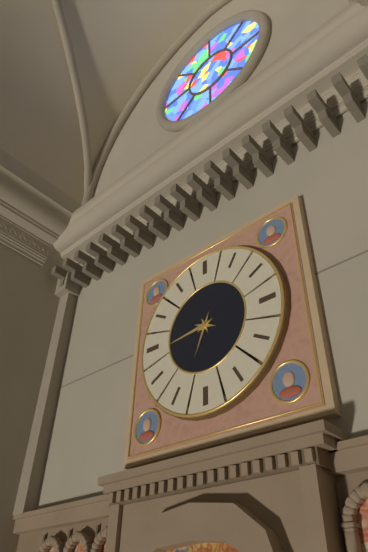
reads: 6,44
